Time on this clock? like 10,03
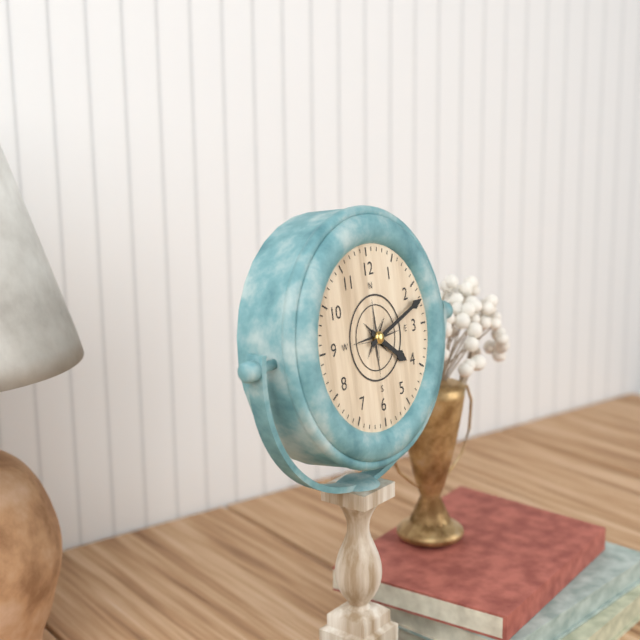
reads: 4,12
